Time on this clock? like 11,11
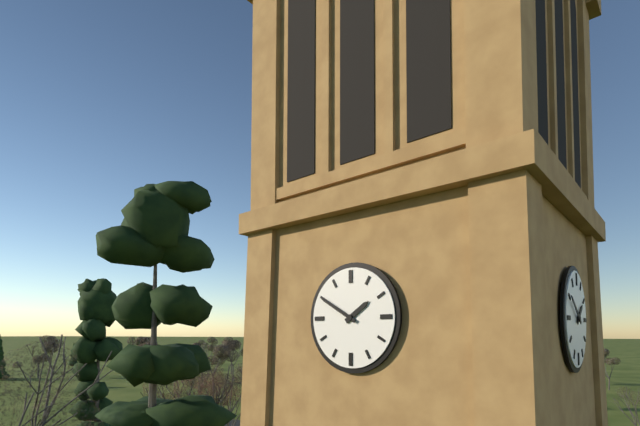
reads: 1,50
